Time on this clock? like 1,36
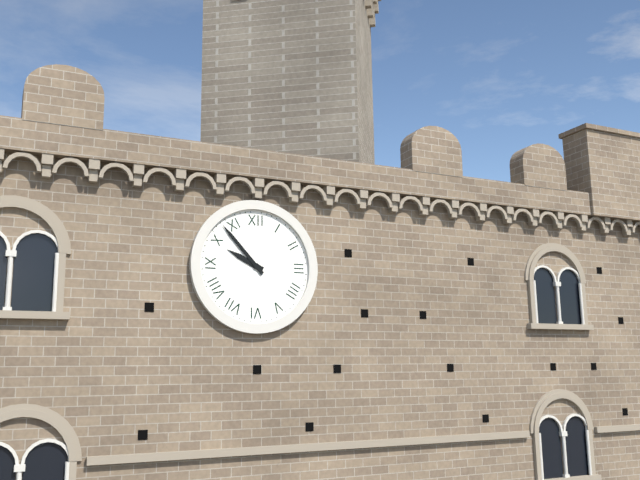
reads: 9,53
